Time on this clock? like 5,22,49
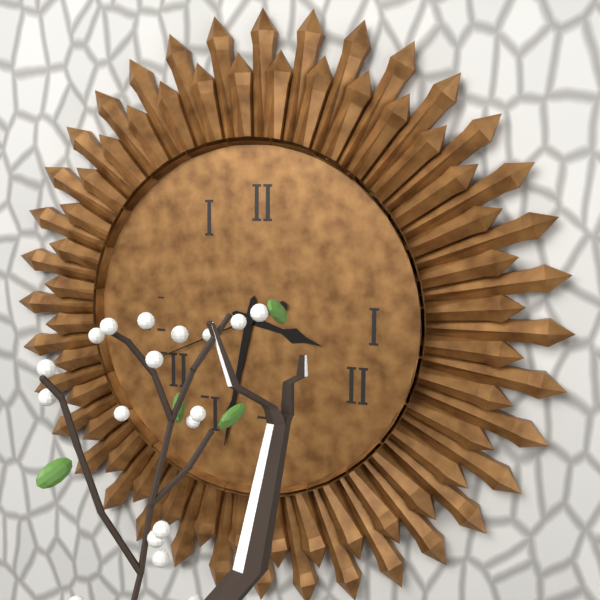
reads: 3,32,41
